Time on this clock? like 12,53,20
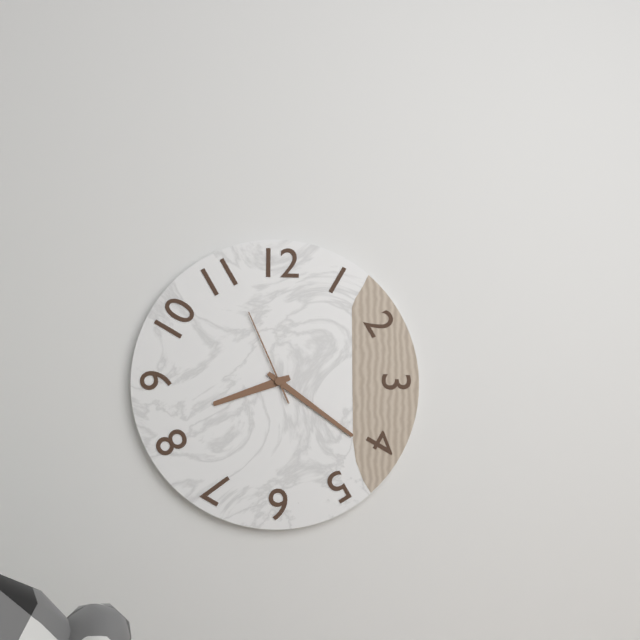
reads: 8,21,56
